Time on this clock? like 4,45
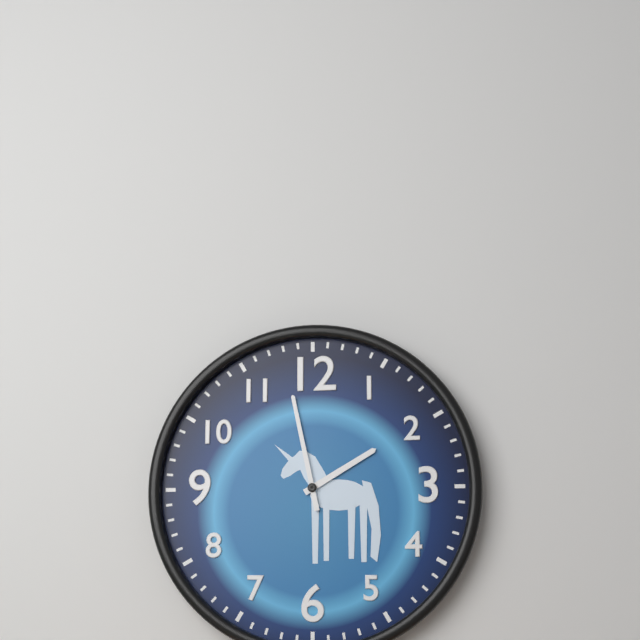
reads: 1,58
